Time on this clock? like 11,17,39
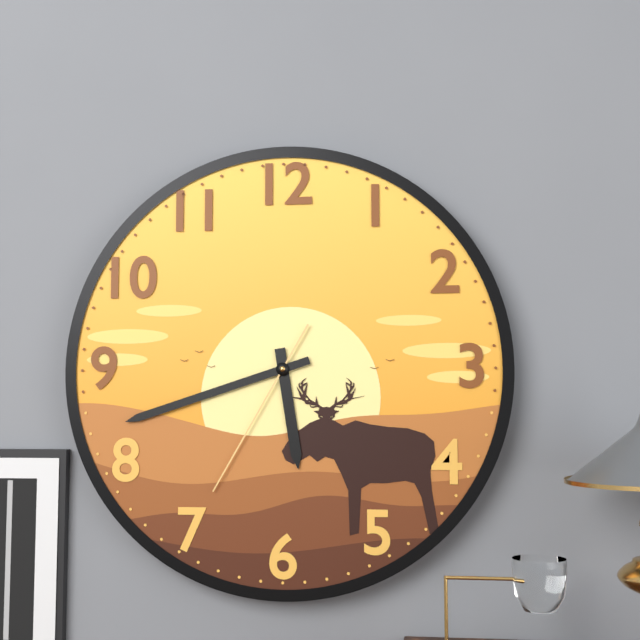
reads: 5,42,35
